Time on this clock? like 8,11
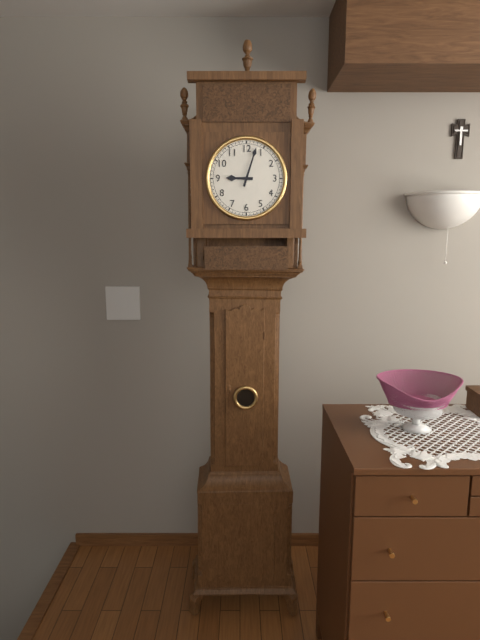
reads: 9,03
